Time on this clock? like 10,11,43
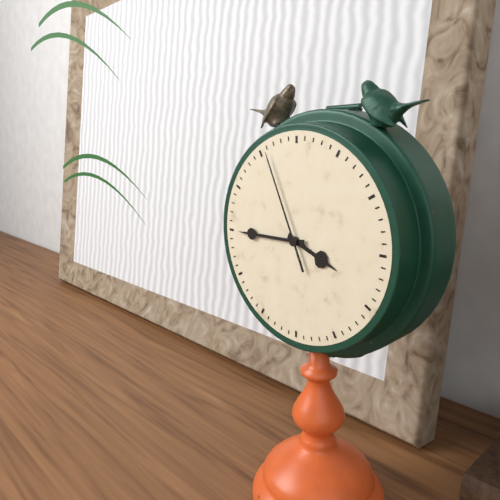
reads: 3,45,56
